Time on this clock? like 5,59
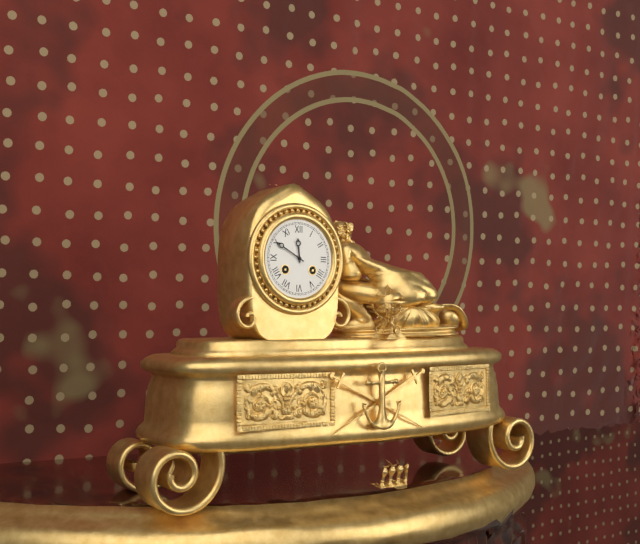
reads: 11,50
